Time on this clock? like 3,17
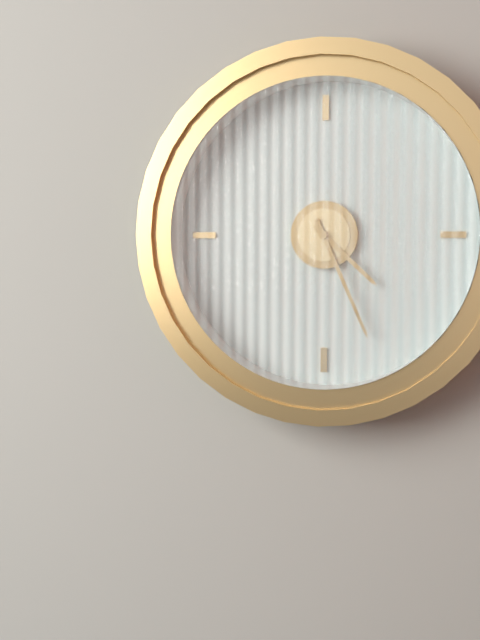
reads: 4,26
